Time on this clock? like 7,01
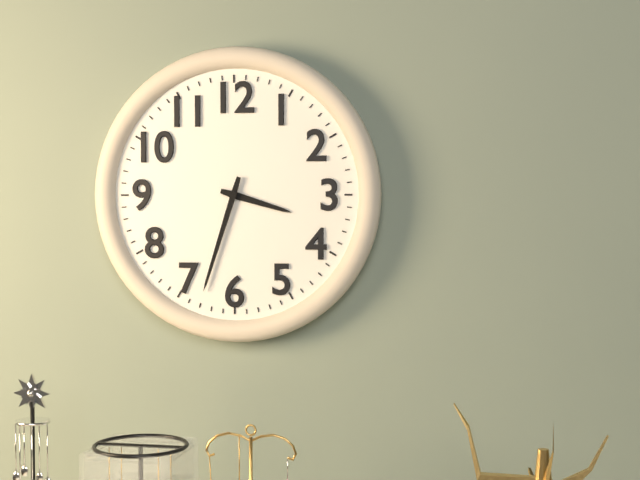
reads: 3,33
